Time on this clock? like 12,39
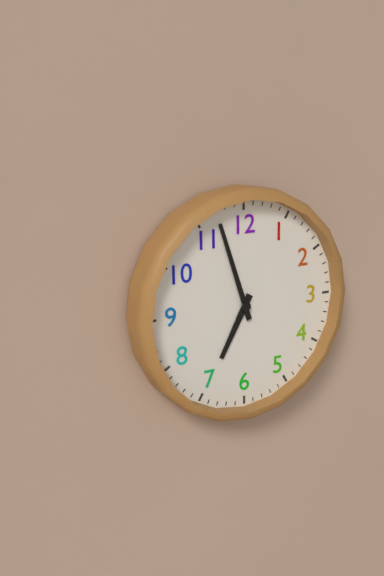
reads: 6,57
